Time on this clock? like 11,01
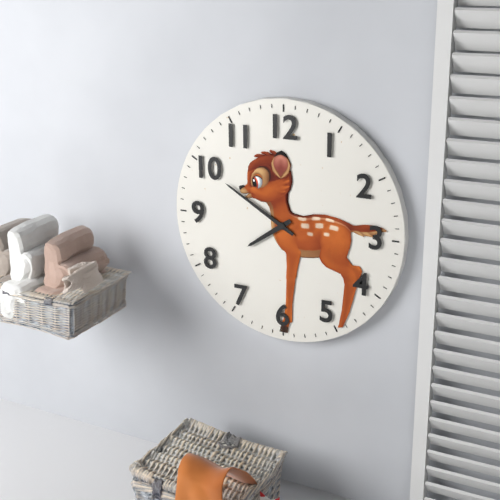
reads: 7,50
